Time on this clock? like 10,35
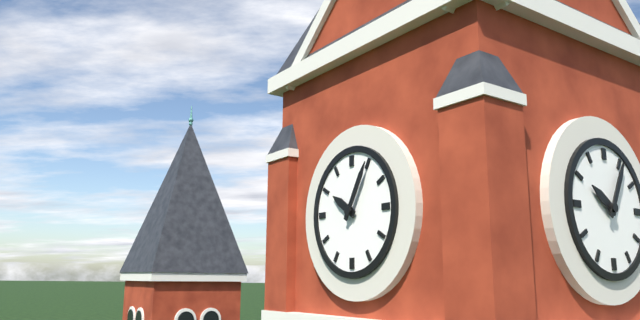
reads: 10,05
